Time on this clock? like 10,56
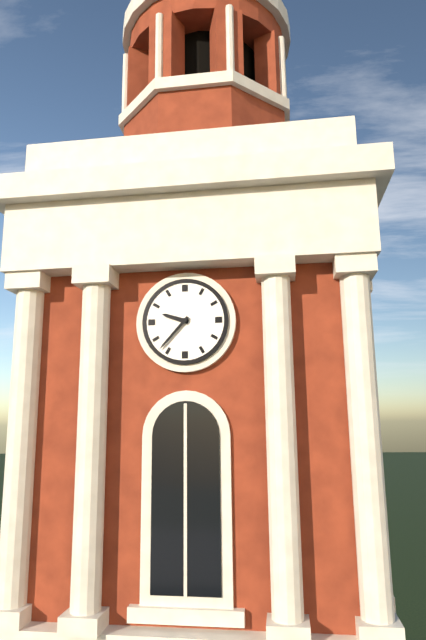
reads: 9,37
